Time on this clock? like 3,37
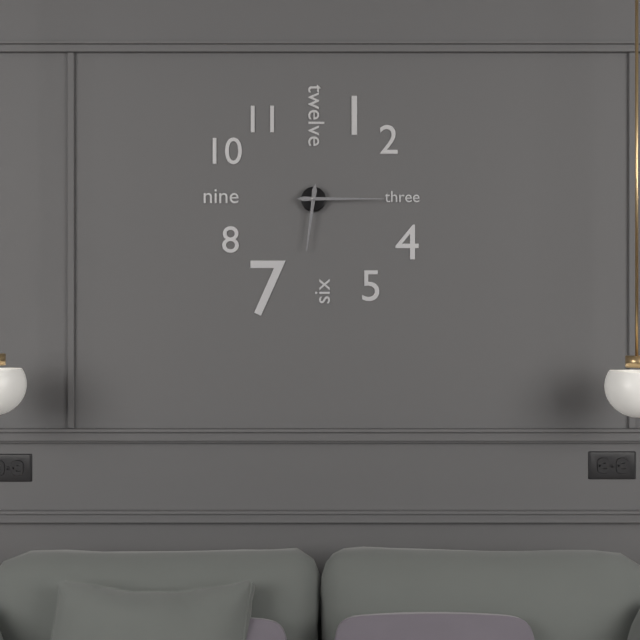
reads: 6,15
